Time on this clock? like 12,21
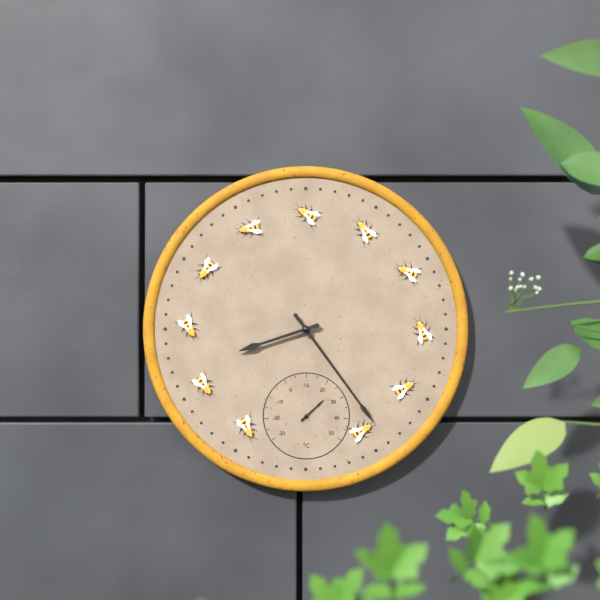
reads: 8,24
